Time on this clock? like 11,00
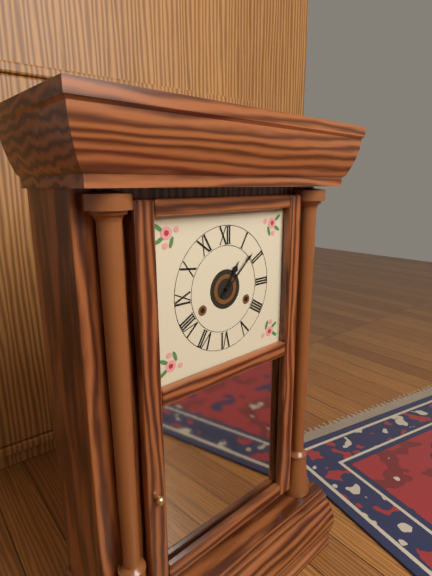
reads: 1,08
